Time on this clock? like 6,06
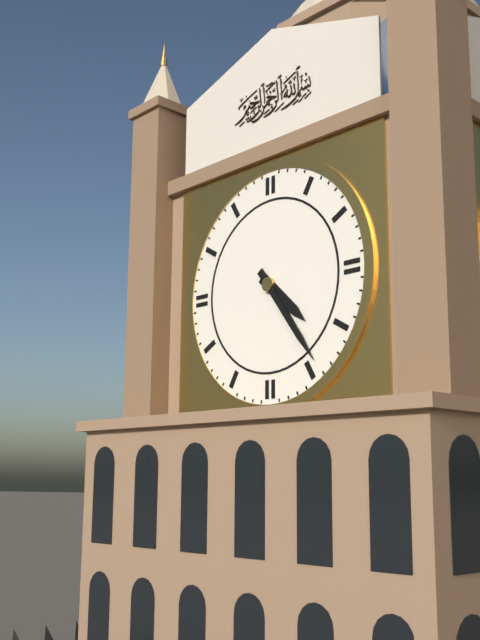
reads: 4,24
